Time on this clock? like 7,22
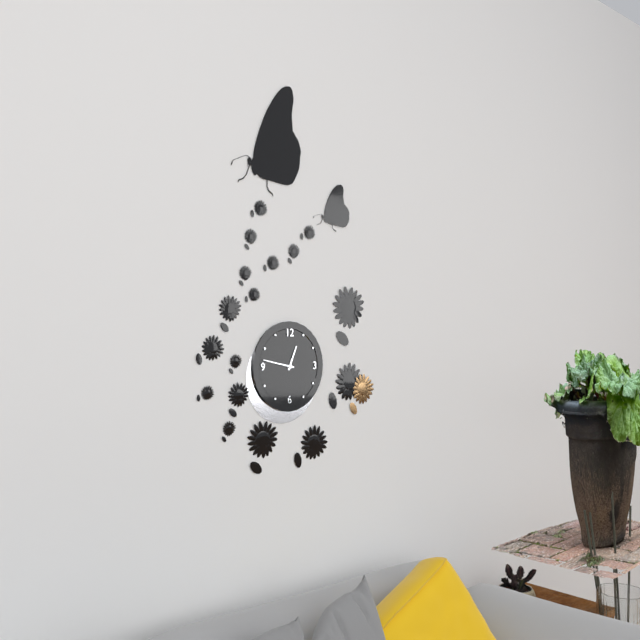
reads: 12,47
